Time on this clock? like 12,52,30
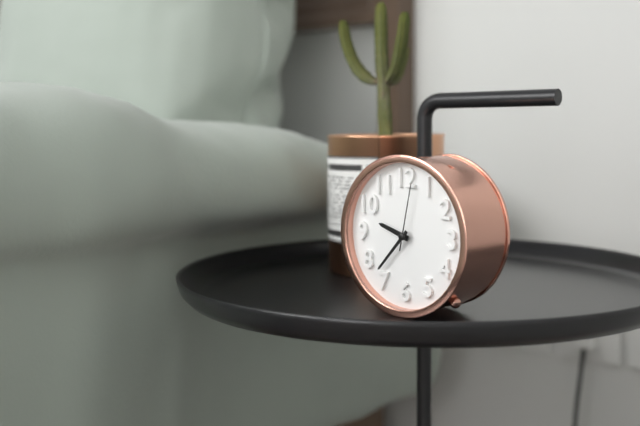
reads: 9,37,02
